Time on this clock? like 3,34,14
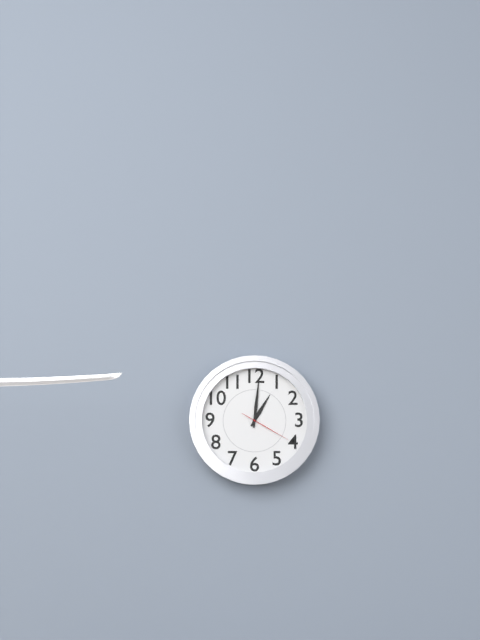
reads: 1,01,20
